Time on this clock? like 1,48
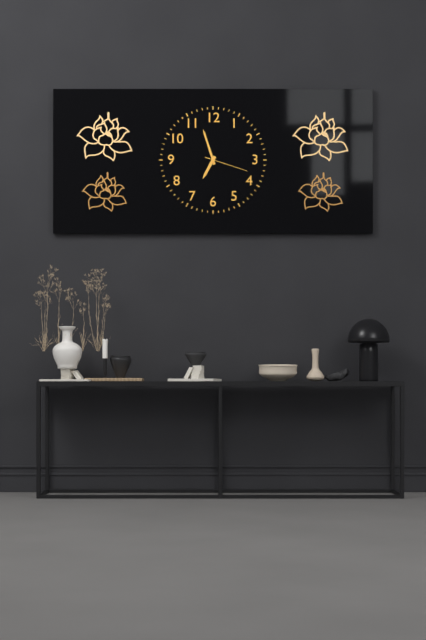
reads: 6,57
